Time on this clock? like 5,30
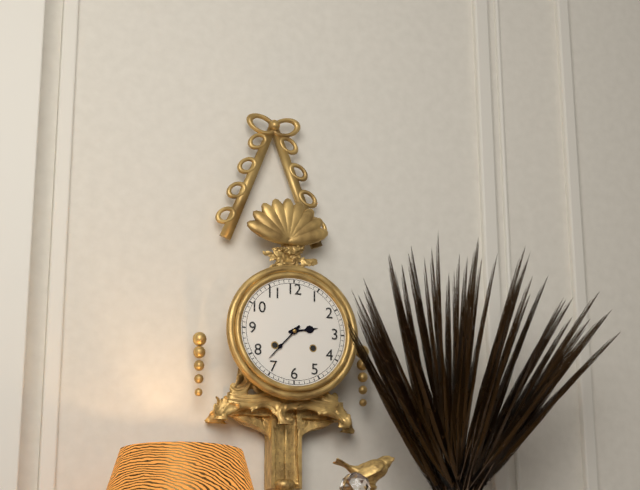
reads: 2,37
